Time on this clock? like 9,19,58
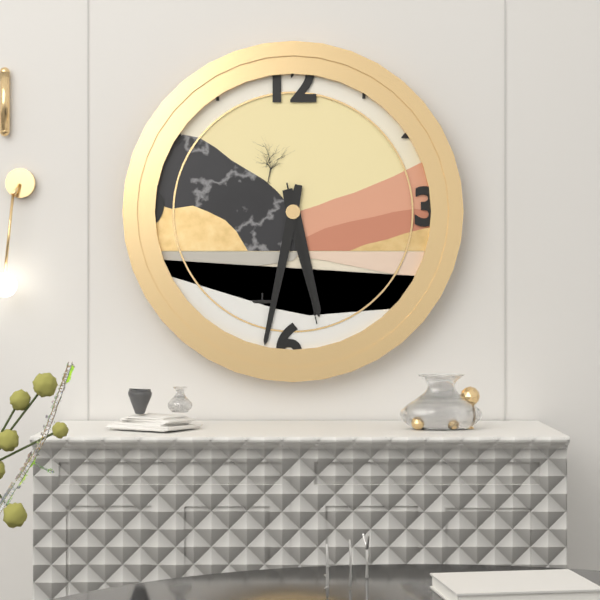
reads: 5,32,28
